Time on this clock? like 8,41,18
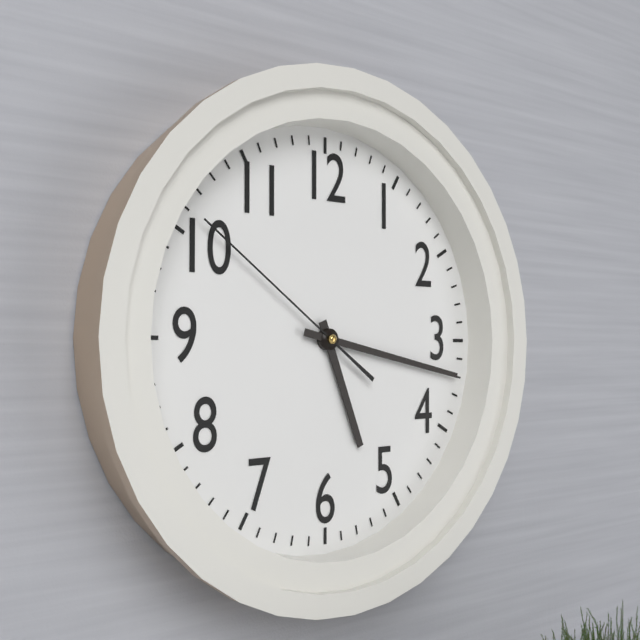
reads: 5,17,51
